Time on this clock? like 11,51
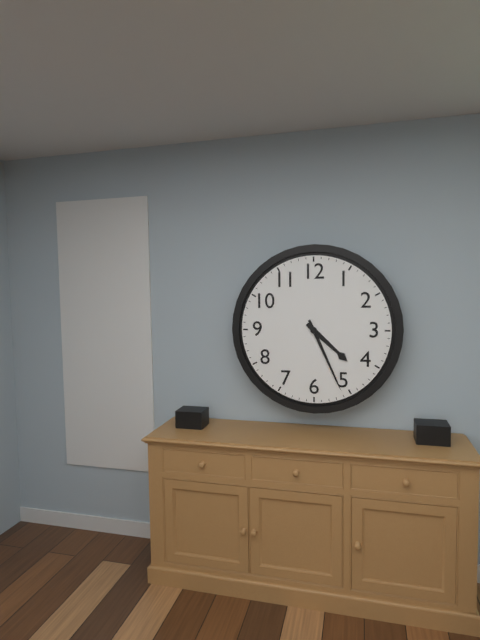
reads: 4,26
